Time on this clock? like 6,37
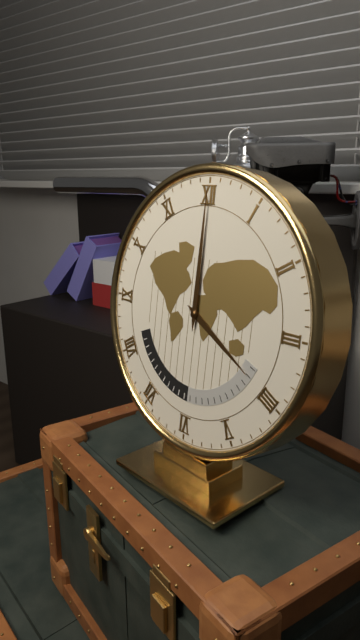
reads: 4,00
